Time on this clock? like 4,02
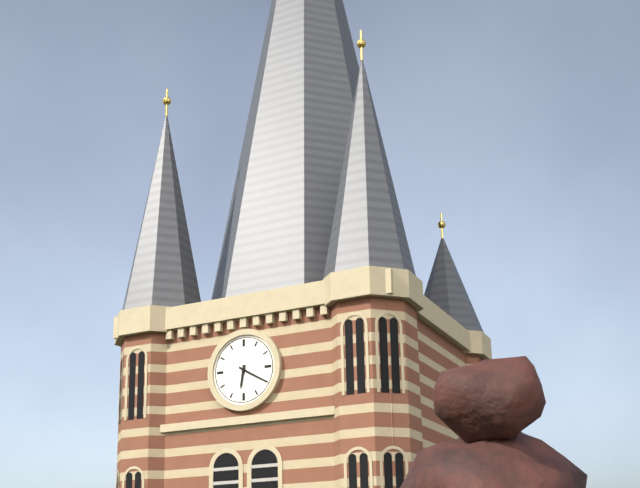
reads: 6,20
